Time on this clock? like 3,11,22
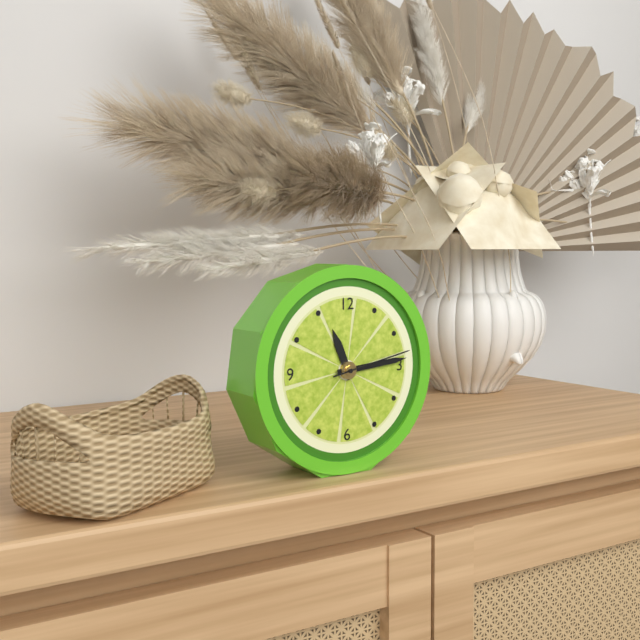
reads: 11,14,13
